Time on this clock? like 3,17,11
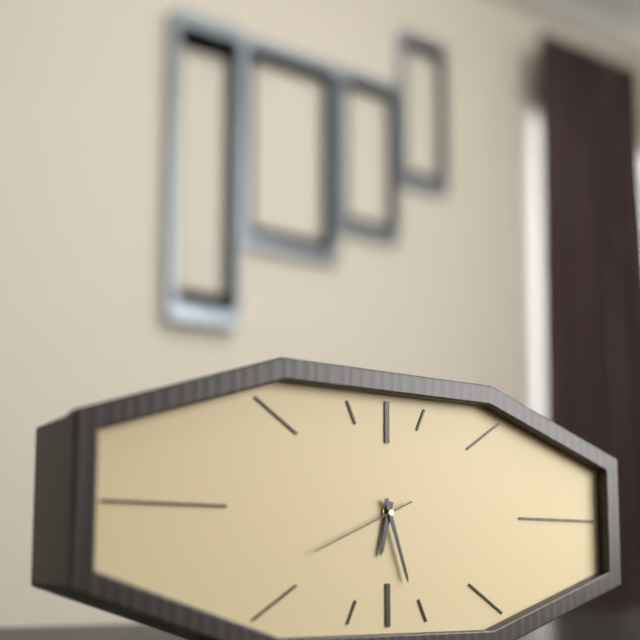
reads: 6,27,41
